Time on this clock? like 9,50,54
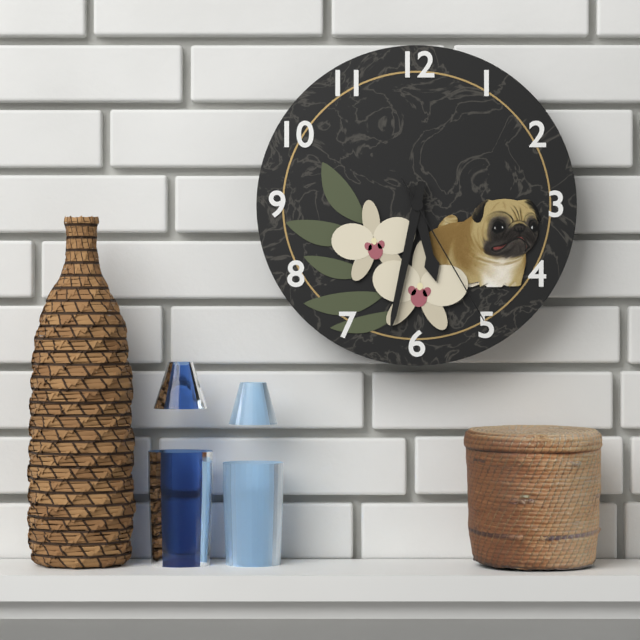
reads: 5,32,25
